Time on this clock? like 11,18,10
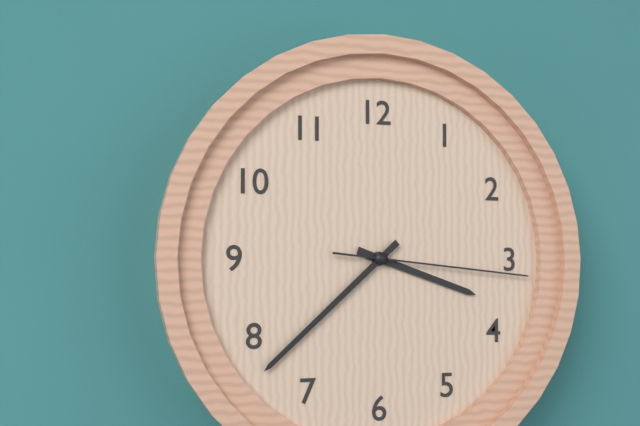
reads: 3,38,16
